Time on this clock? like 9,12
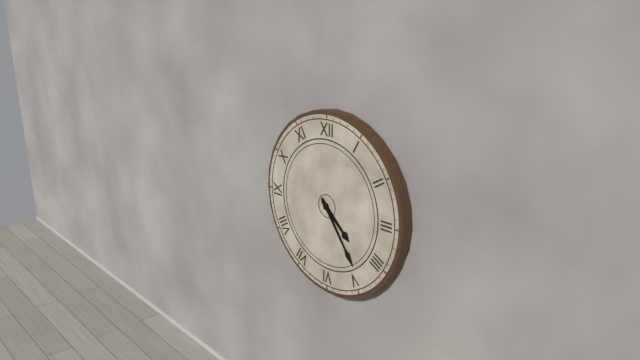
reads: 4,24
